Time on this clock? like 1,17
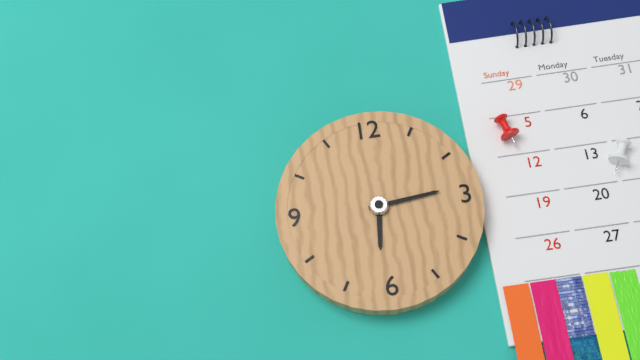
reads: 6,14
